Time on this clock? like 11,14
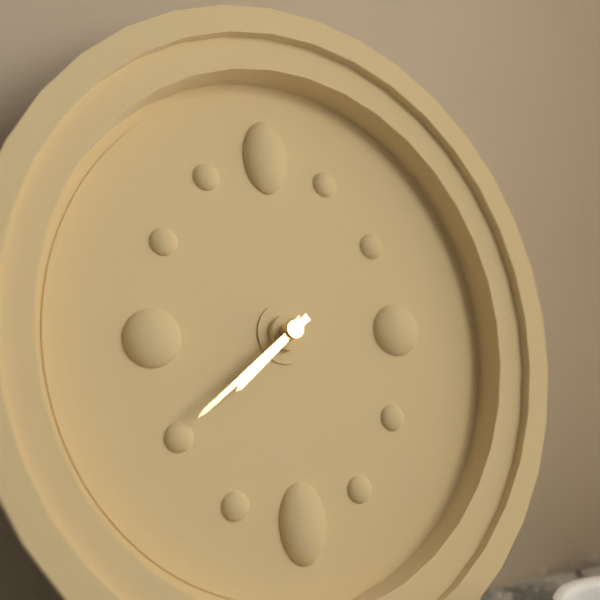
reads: 7,39
